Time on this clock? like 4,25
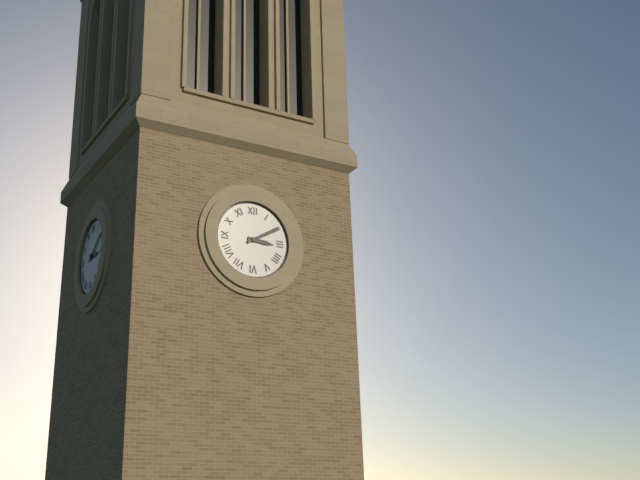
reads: 3,10
